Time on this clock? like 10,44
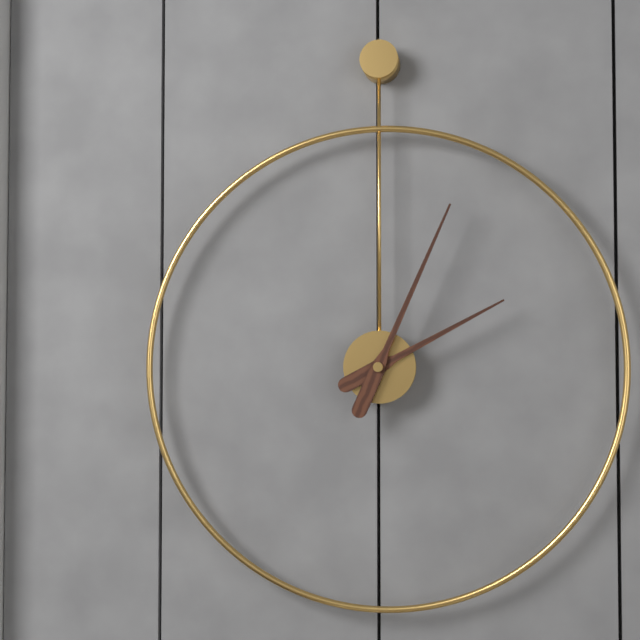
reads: 2,04
